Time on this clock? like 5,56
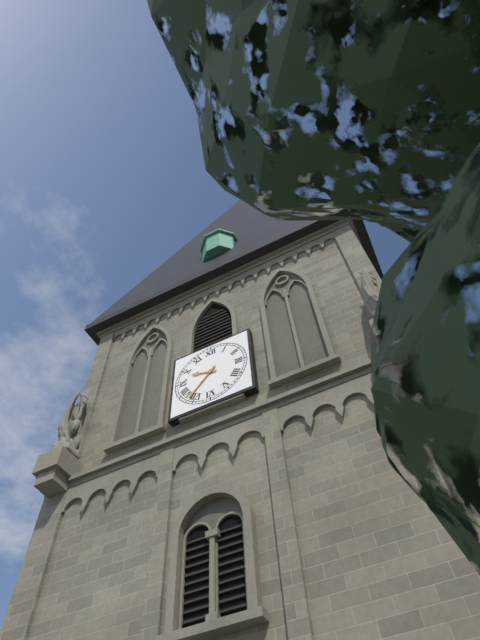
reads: 9,37
